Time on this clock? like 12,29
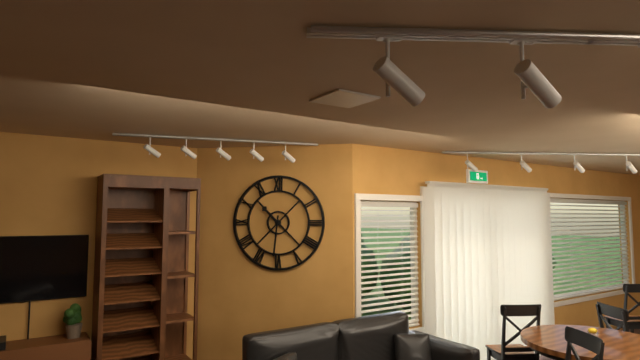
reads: 10,31
